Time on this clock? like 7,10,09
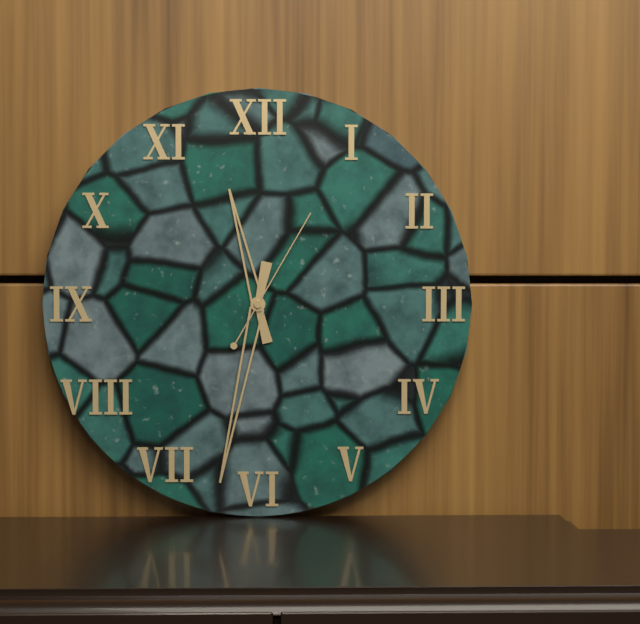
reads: 11,32,05
